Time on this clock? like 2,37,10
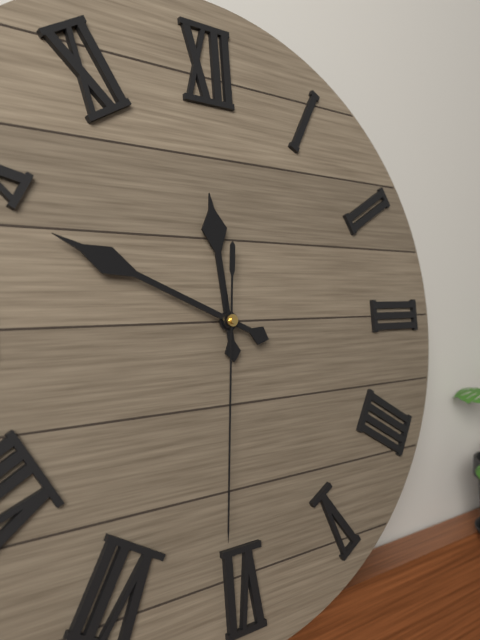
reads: 11,49,31
